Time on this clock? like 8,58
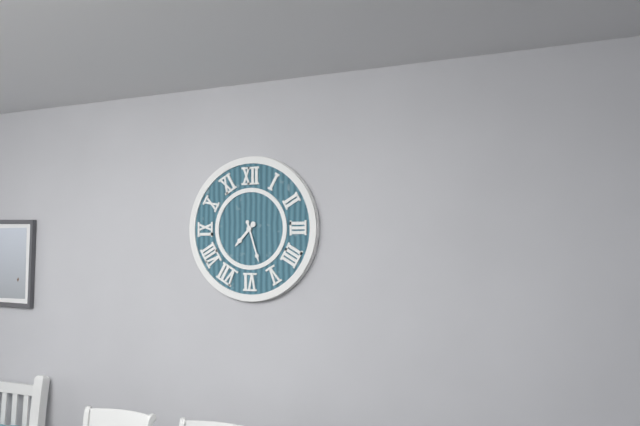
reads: 7,27
